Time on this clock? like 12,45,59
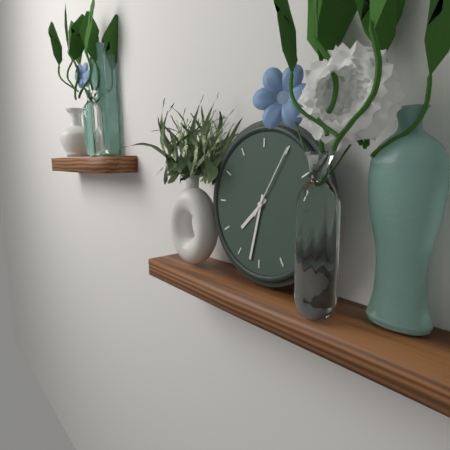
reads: 7,32,05
